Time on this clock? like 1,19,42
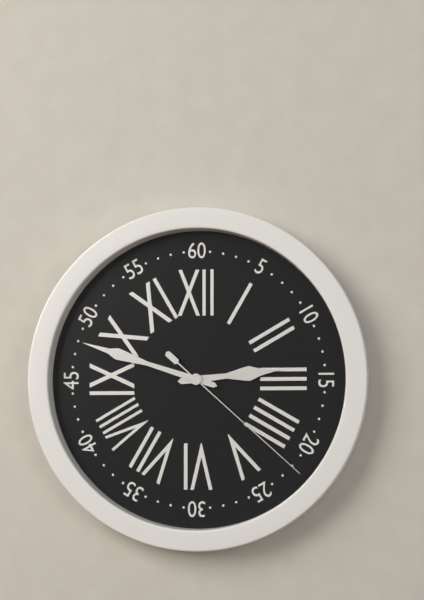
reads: 2,48,22
